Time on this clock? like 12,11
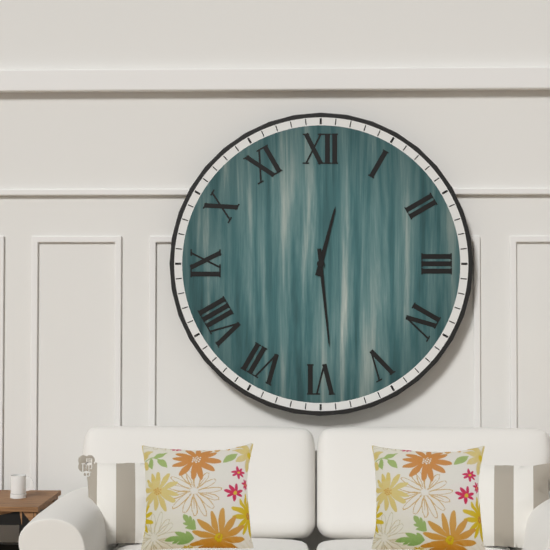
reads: 12,29
